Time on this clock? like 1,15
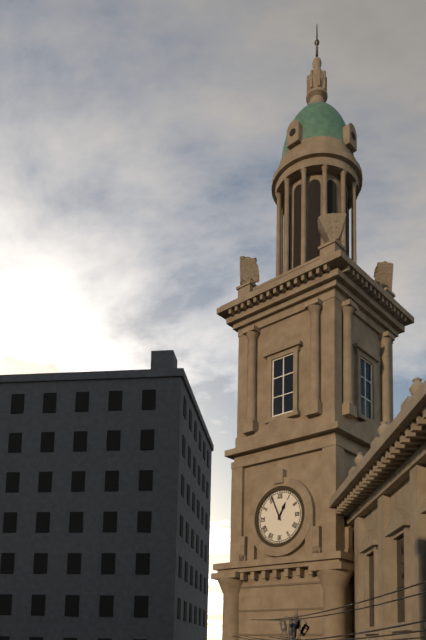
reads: 12,56
